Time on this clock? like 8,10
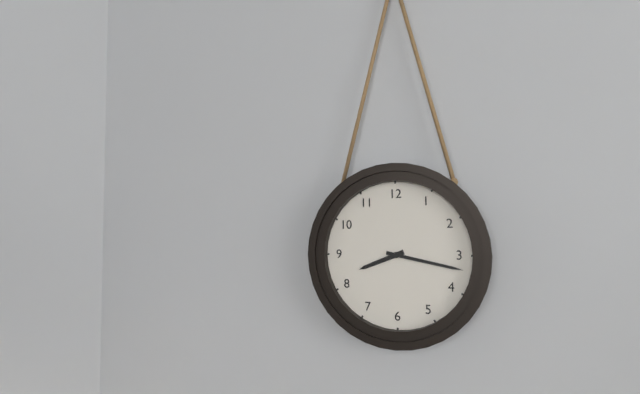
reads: 8,17
